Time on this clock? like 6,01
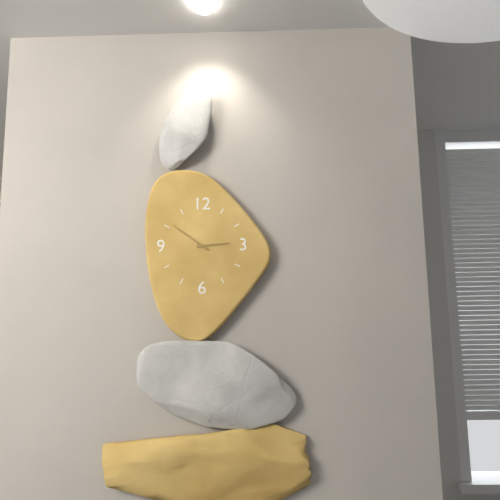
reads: 2,51
